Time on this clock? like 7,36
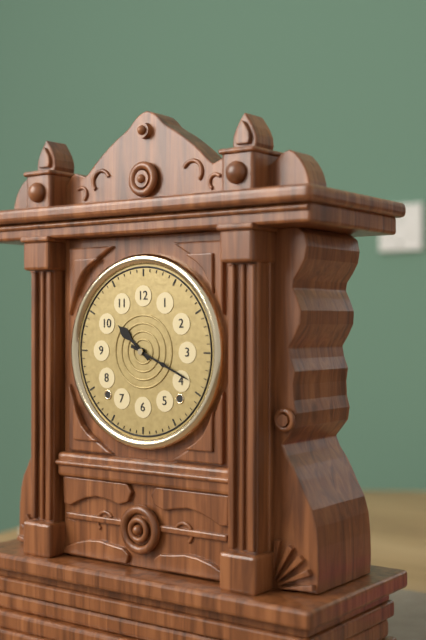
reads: 10,19
